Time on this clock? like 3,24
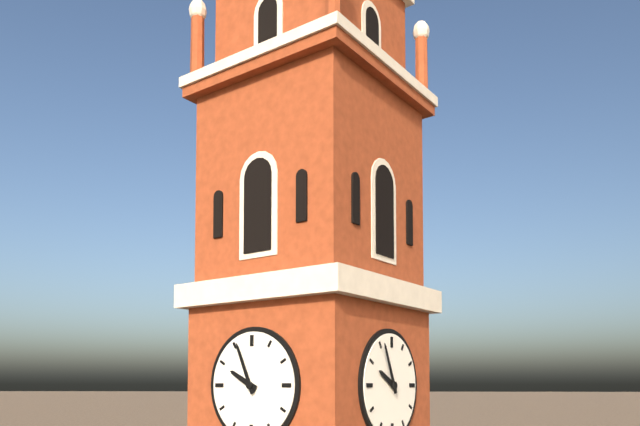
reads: 9,56
